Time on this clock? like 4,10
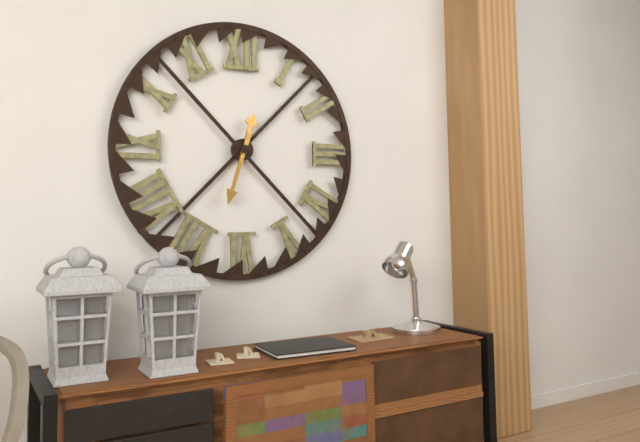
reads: 12,33
